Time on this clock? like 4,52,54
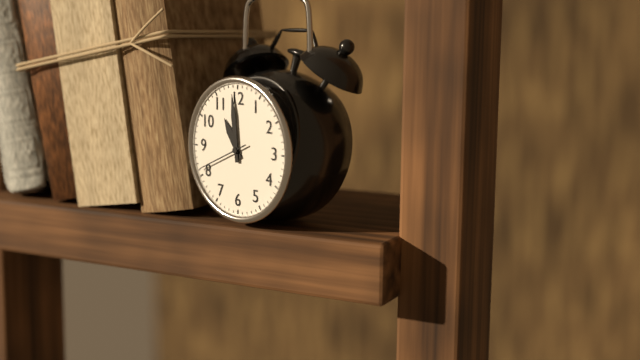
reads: 10,59,41
